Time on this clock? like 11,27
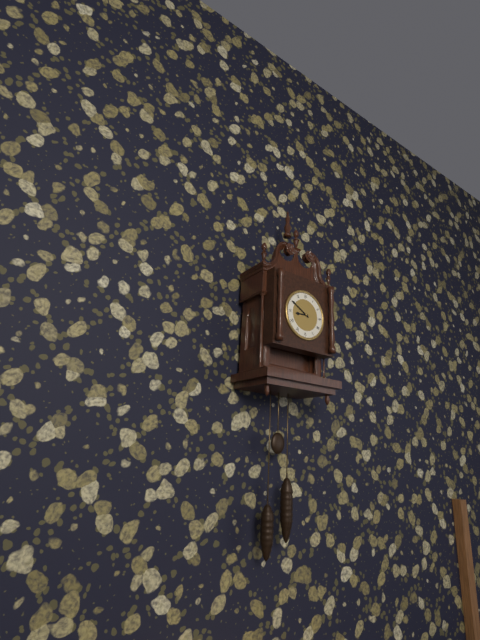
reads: 8,50
